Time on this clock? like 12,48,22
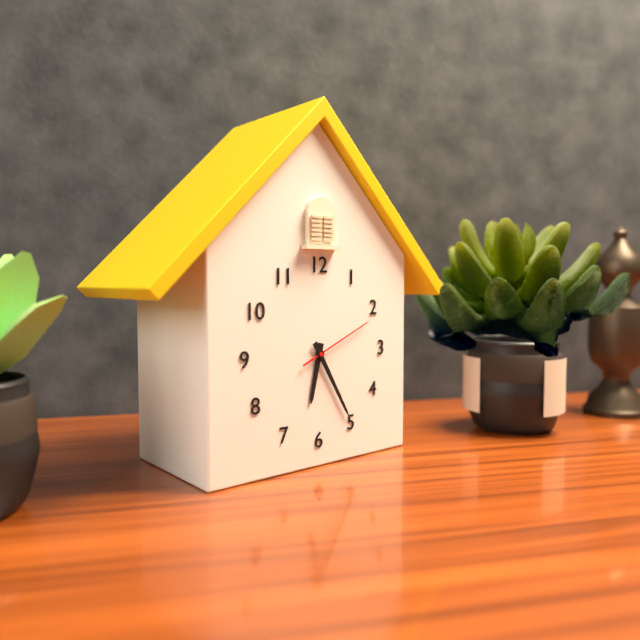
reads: 6,25,11
